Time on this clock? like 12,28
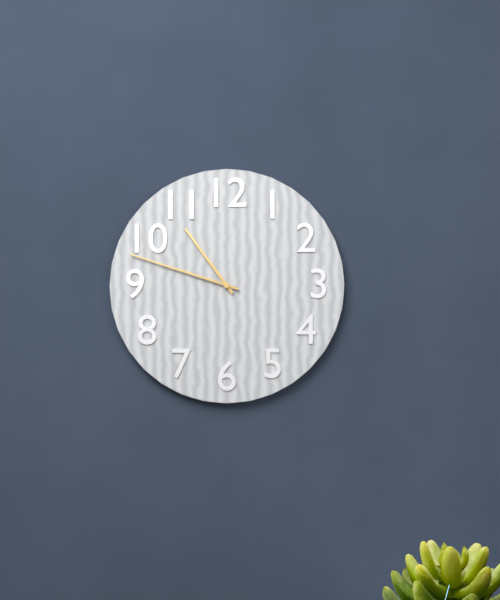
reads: 10,48
